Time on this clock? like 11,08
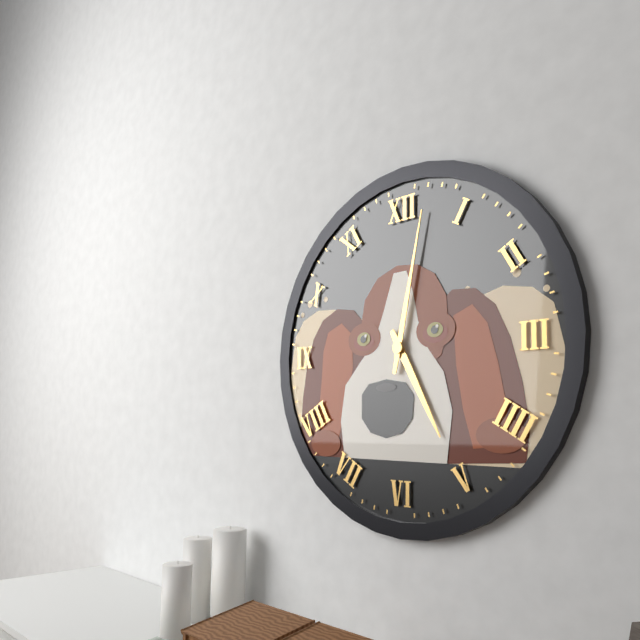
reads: 5,02
